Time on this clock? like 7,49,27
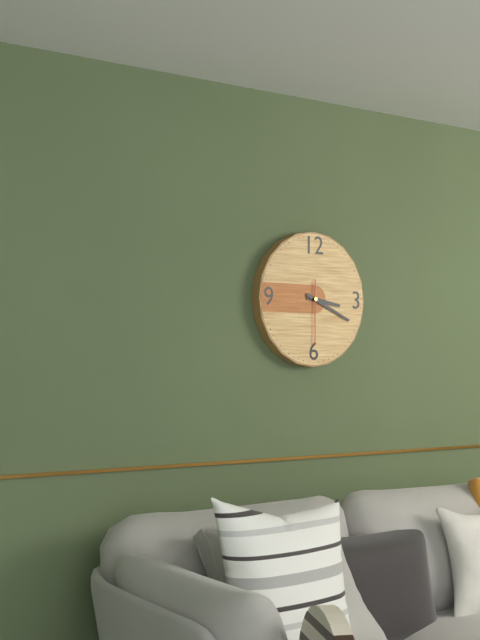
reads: 3,19,30
